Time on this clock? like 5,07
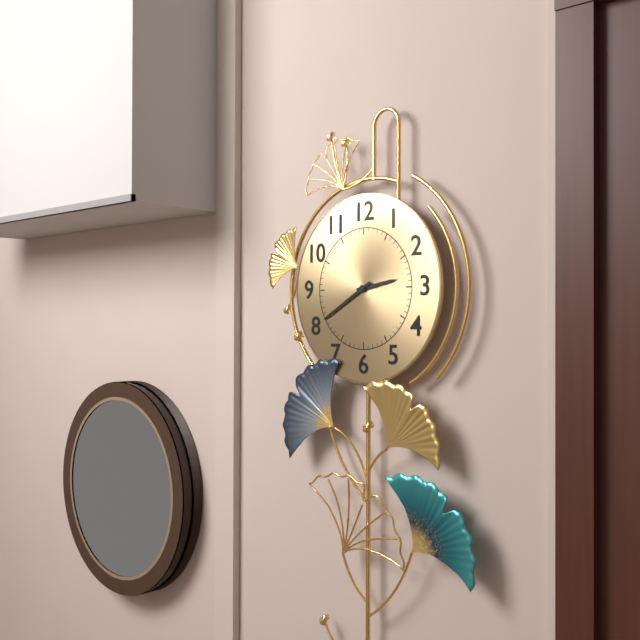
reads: 2,40
